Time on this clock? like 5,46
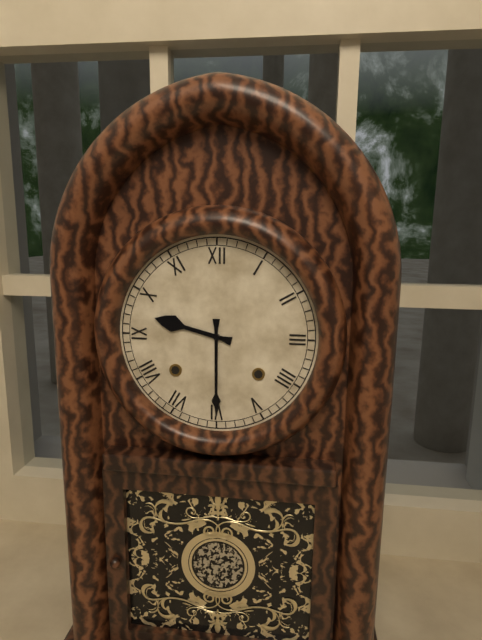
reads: 9,30
